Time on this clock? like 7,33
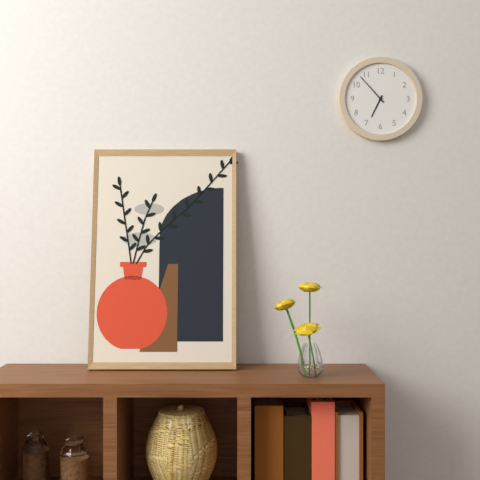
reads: 6,53
